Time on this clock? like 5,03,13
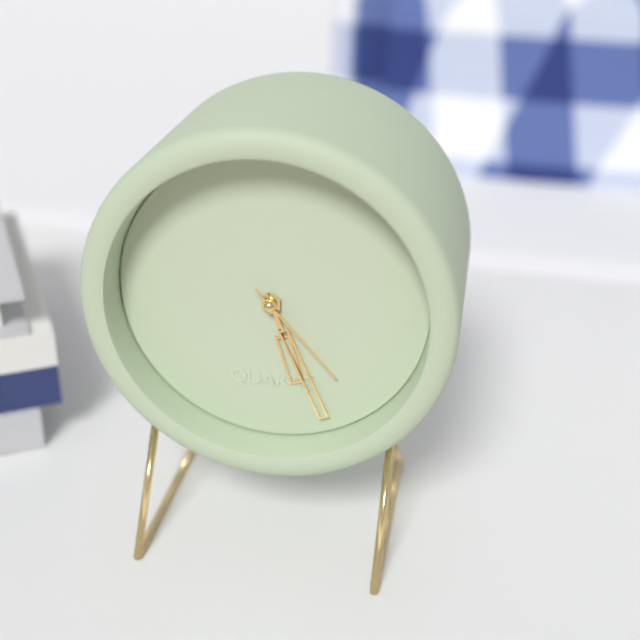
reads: 5,26,23
